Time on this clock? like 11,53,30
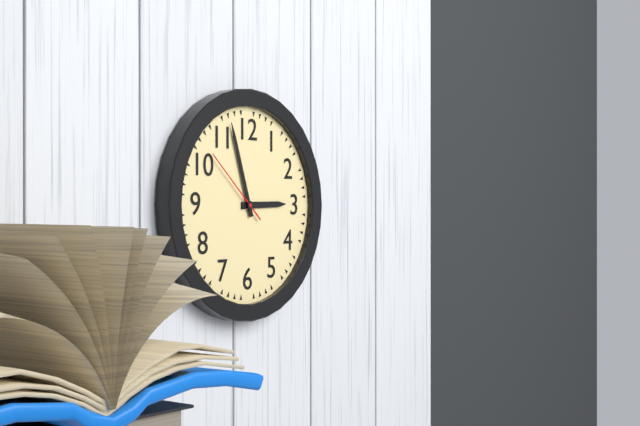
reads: 2,57,52
